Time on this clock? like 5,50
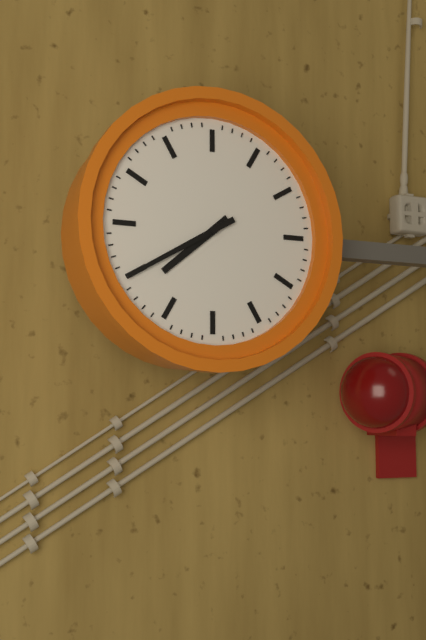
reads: 7,40
